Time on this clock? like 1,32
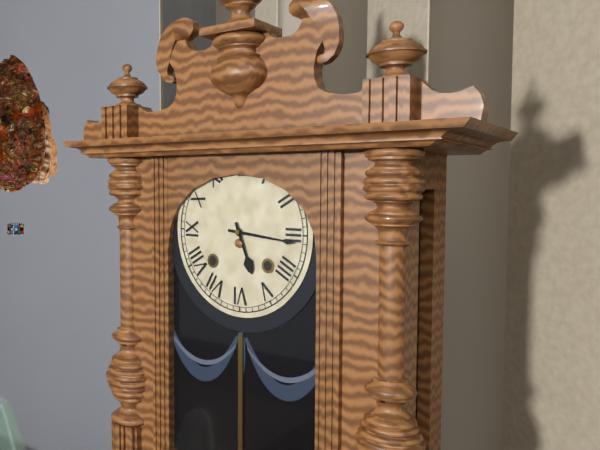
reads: 5,16
